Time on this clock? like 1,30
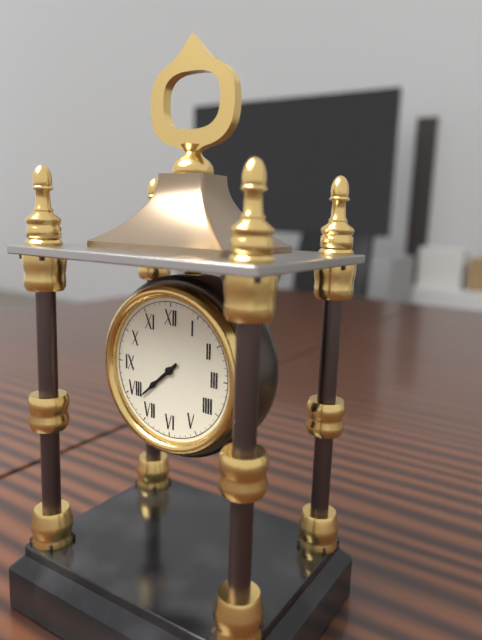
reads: 7,38
